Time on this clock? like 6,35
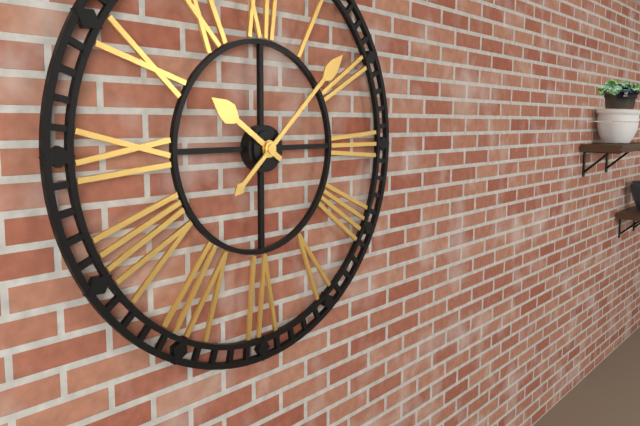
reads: 10,08
